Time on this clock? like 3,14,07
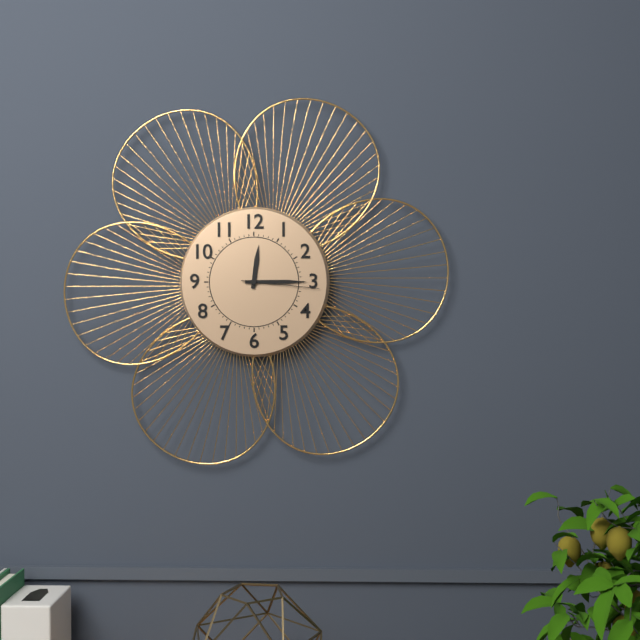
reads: 12,15,16
